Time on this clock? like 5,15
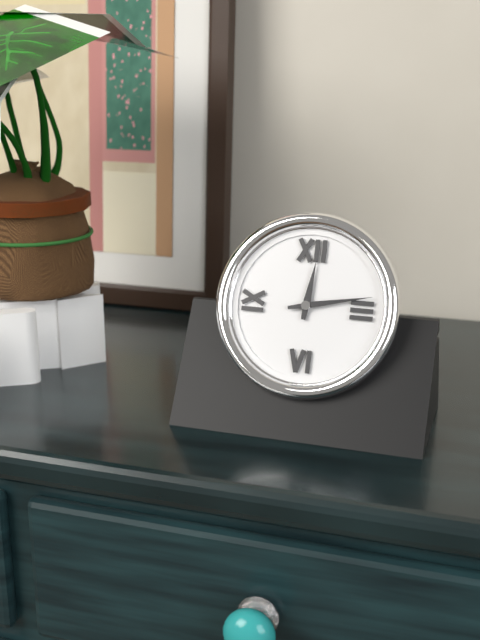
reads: 12,13
